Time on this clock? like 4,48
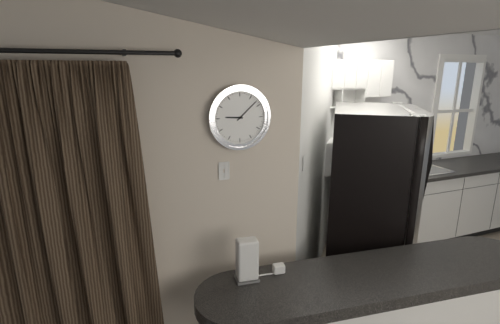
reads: 9,08
